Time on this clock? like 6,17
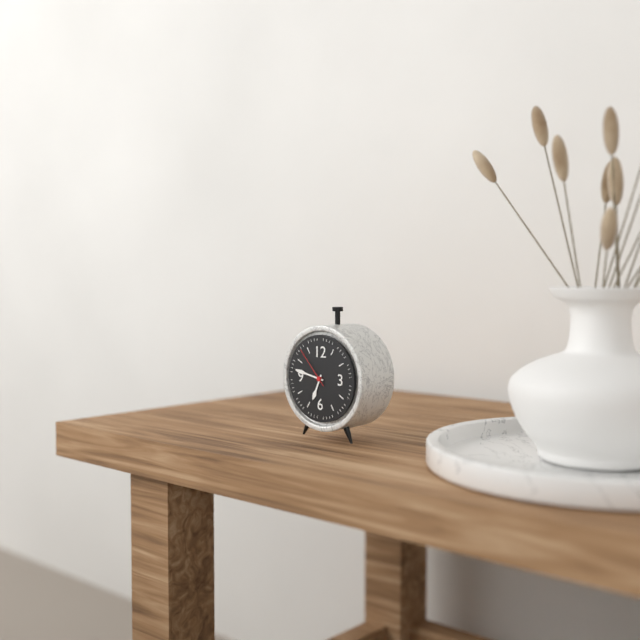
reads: 6,47
